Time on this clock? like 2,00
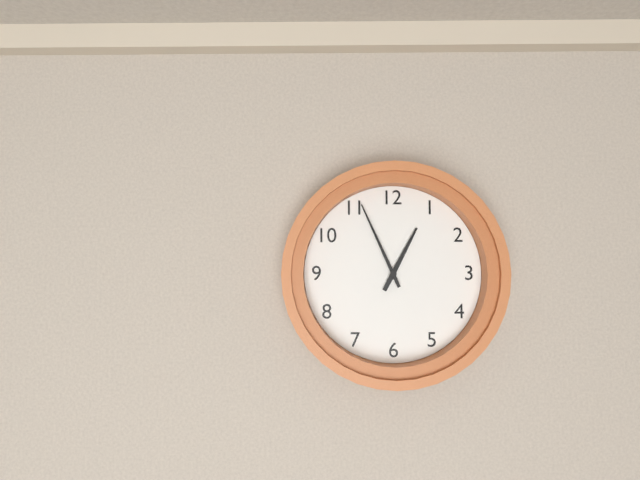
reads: 12,56
